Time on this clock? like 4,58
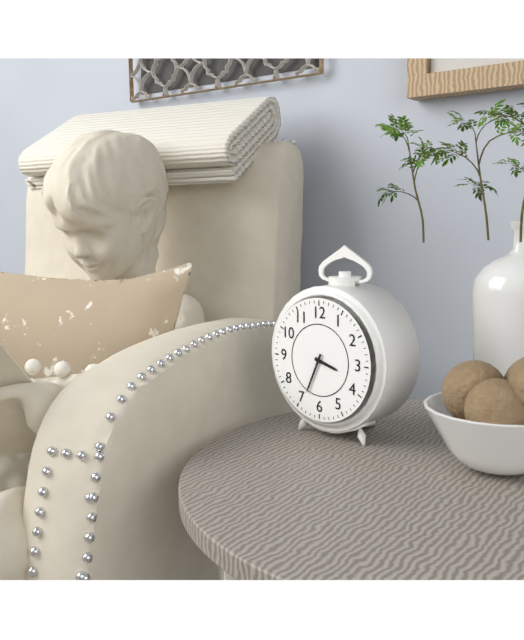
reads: 3,34
